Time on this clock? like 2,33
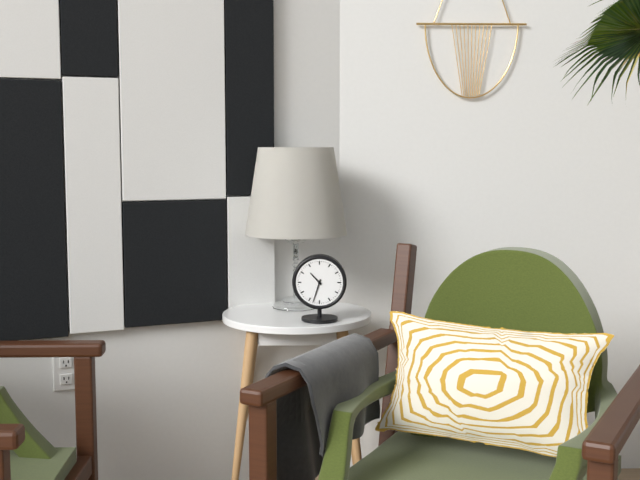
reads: 10,33
